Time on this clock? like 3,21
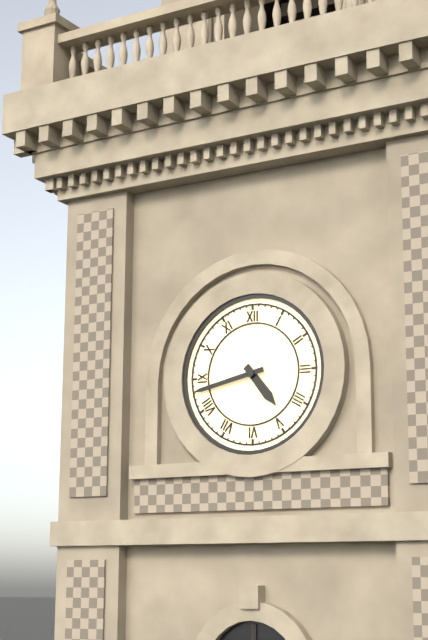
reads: 4,43
